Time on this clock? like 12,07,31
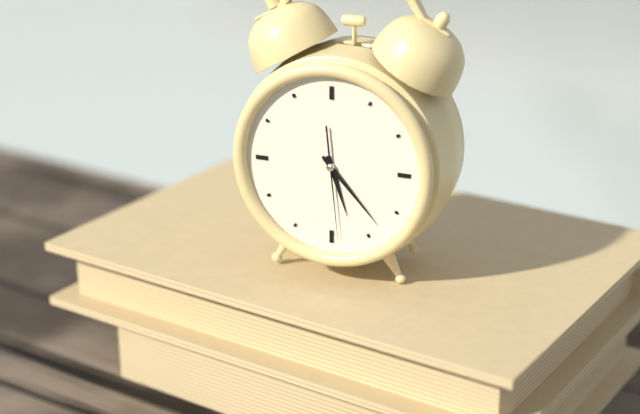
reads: 5,23,29
